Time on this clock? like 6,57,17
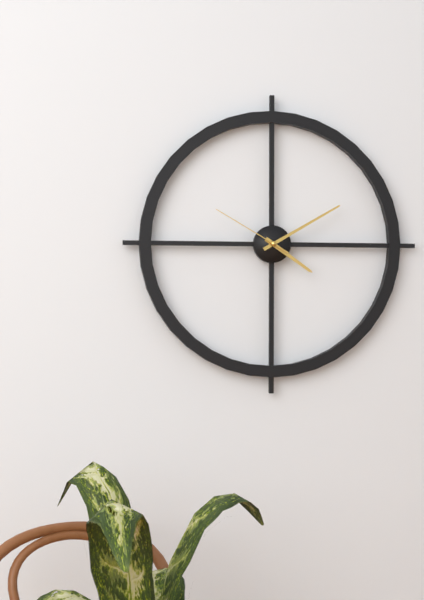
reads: 4,10,50
